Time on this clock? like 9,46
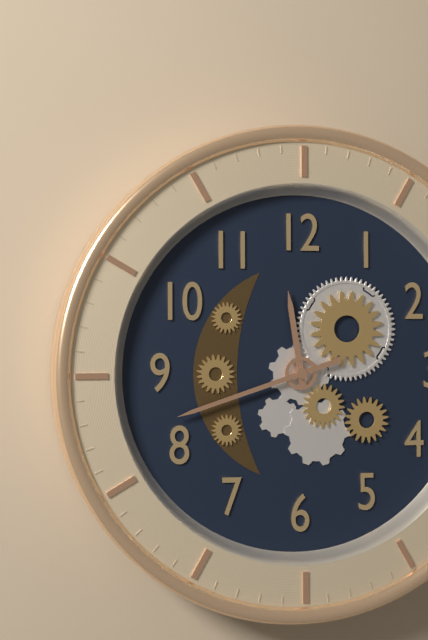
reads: 11,42
